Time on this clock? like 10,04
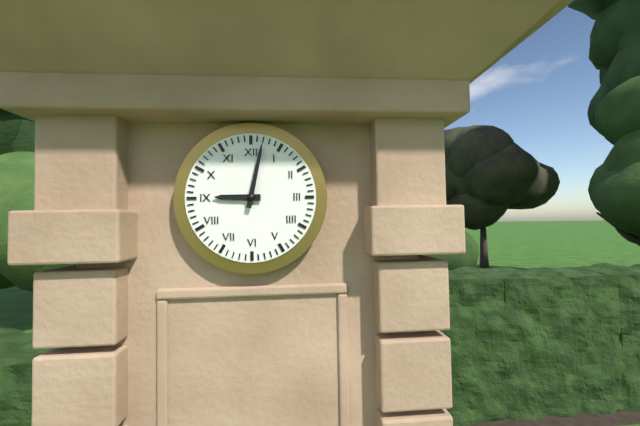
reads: 9,02
